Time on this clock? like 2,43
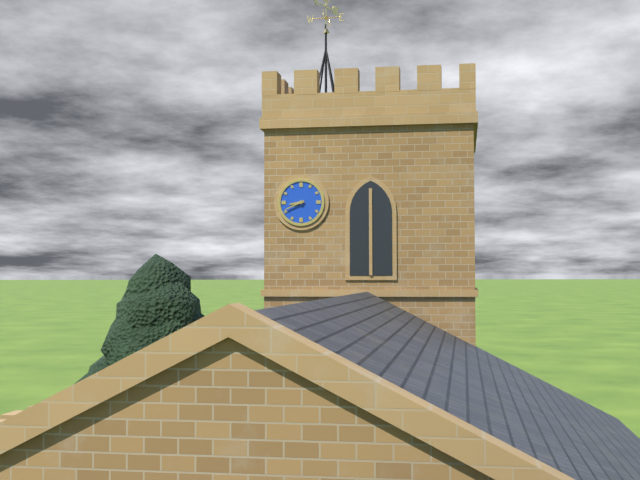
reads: 8,41
